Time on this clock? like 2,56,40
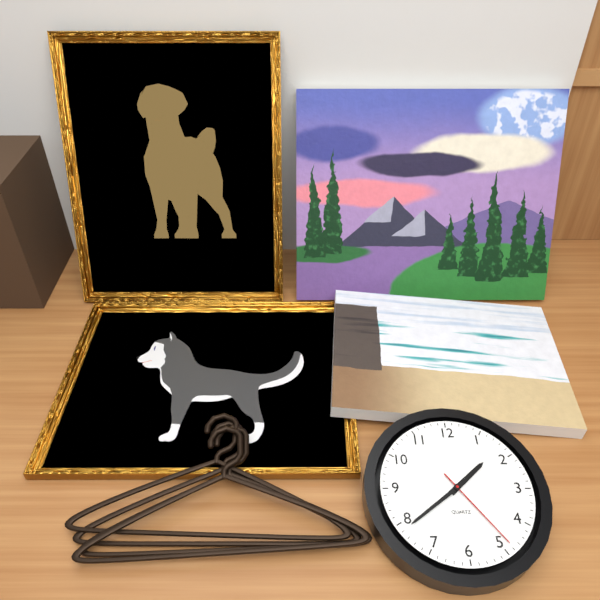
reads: 1,39,24
